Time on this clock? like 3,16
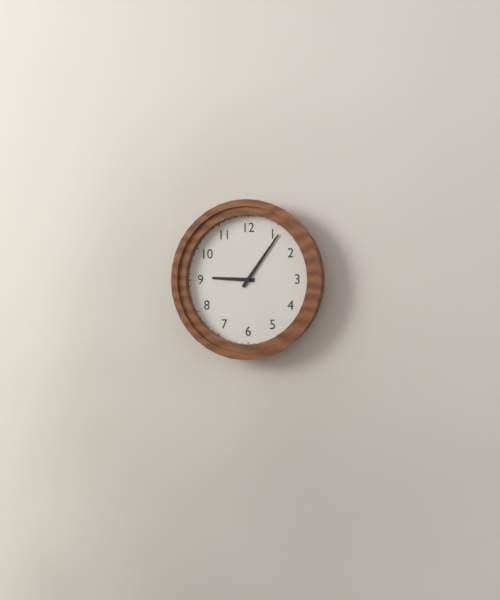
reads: 9,06
